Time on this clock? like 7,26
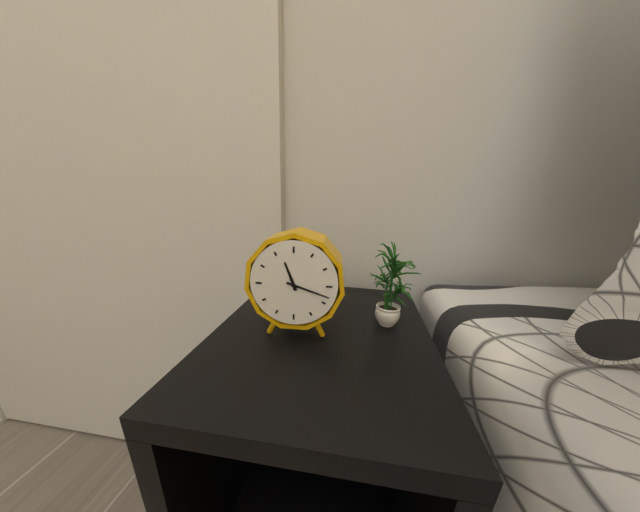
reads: 11,18
